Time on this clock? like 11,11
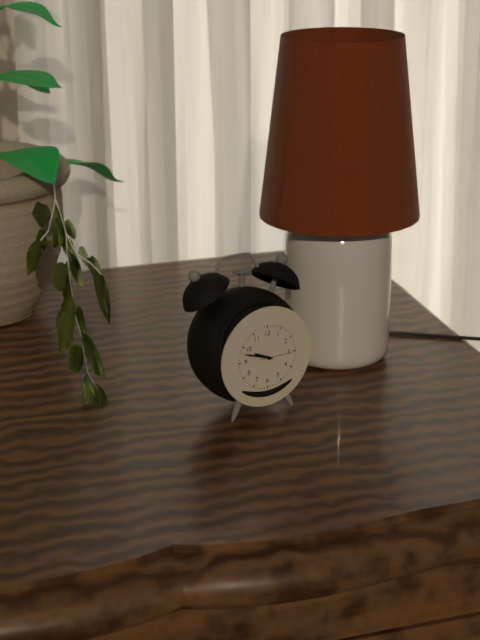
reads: 9,48
